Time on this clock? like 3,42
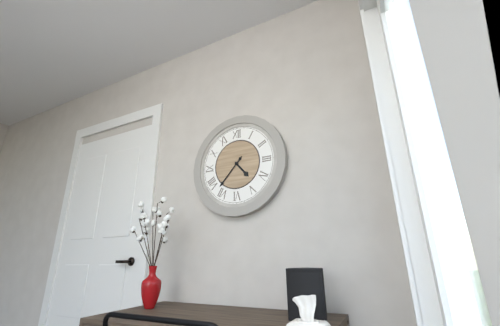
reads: 4,37
